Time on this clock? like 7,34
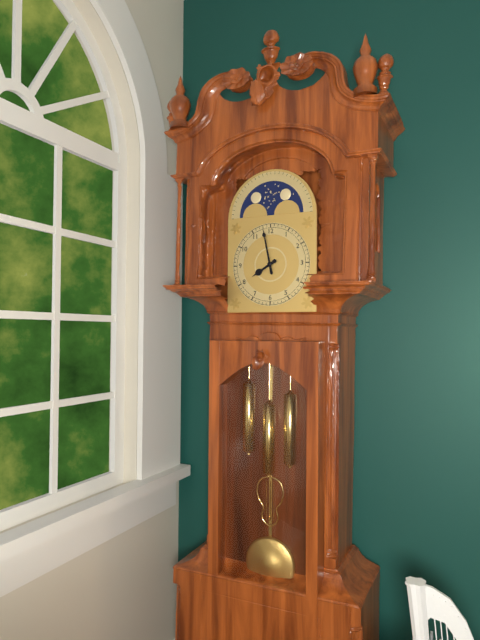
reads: 7,58
